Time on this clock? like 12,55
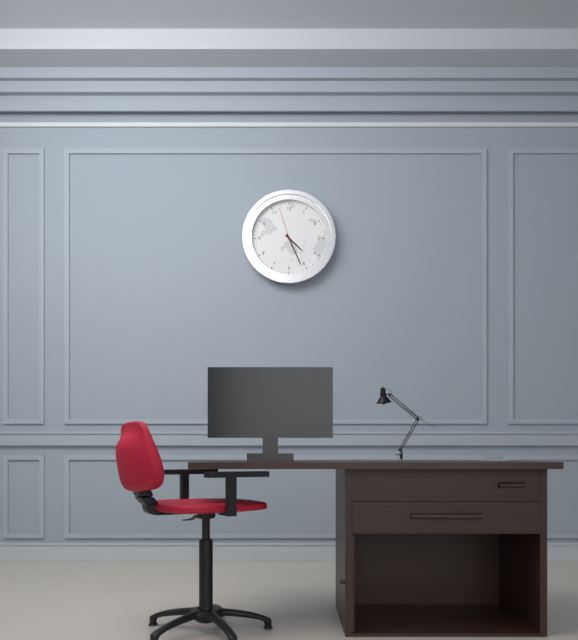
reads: 4,26
